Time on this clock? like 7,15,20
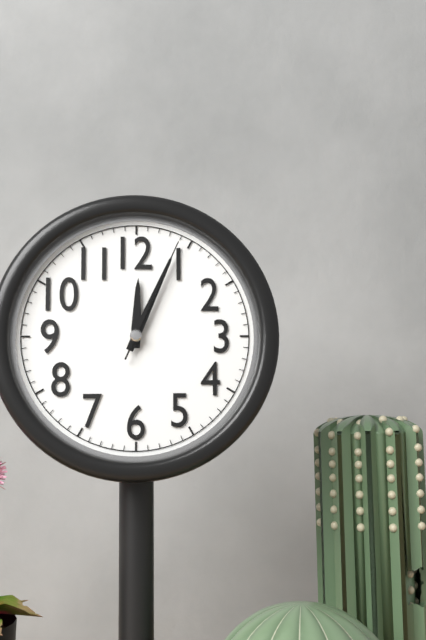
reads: 12,04,04
